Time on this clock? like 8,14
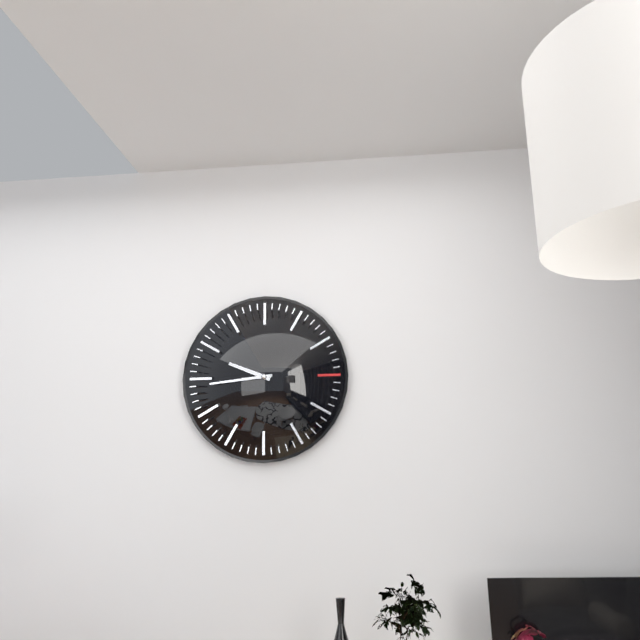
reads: 9,44
